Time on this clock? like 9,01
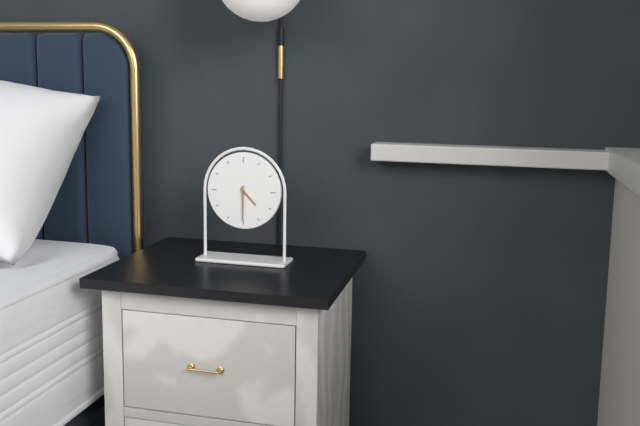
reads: 4,30
